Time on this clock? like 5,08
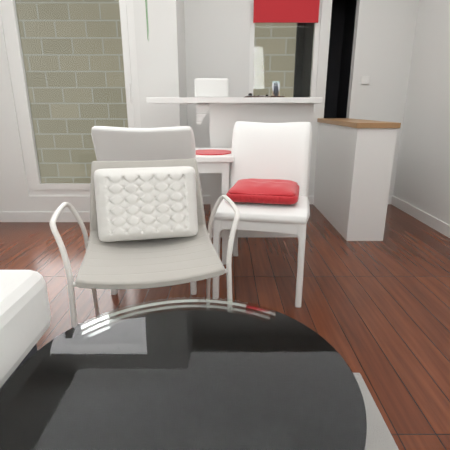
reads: 12,03
